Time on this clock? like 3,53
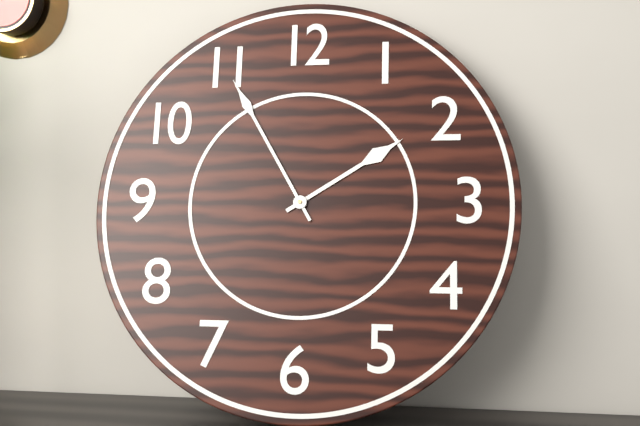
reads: 1,55
